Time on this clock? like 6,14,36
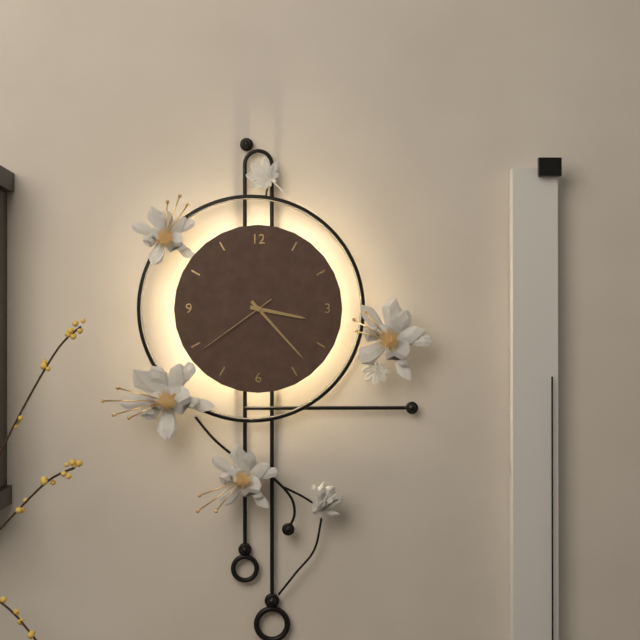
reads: 3,23,39
